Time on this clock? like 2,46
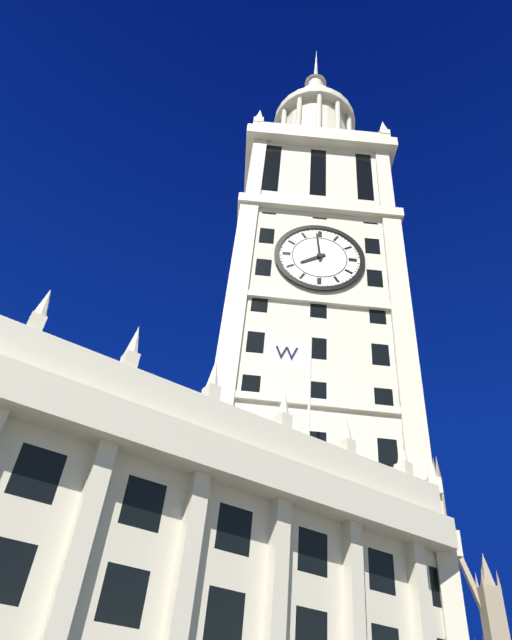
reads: 7,59
